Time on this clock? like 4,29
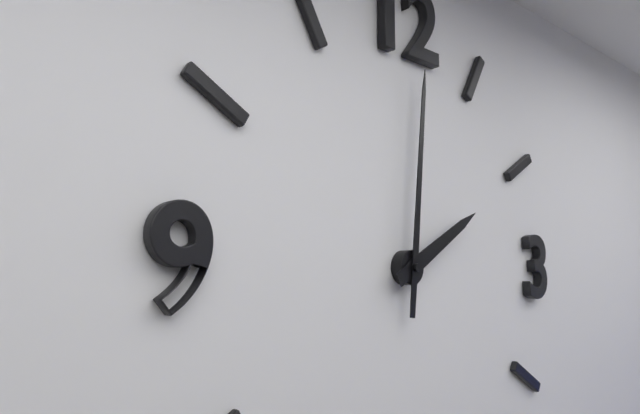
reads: 2,01
